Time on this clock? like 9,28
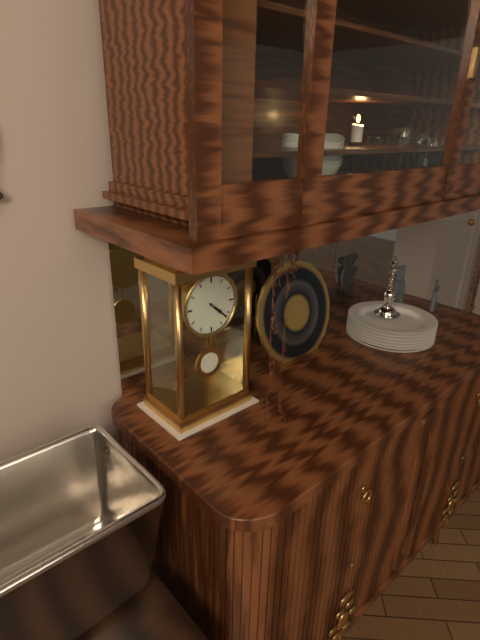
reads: 4,22
